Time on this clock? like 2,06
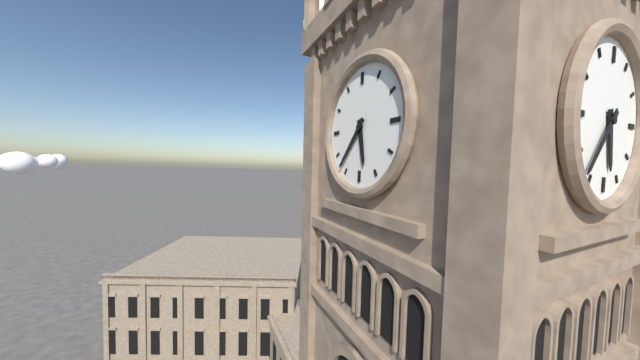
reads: 5,37
